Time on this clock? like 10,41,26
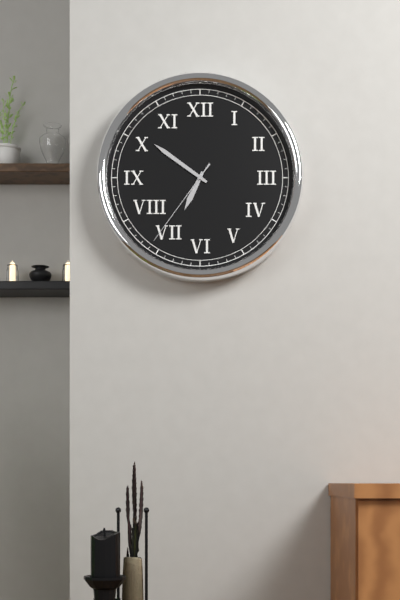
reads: 6,51,36
